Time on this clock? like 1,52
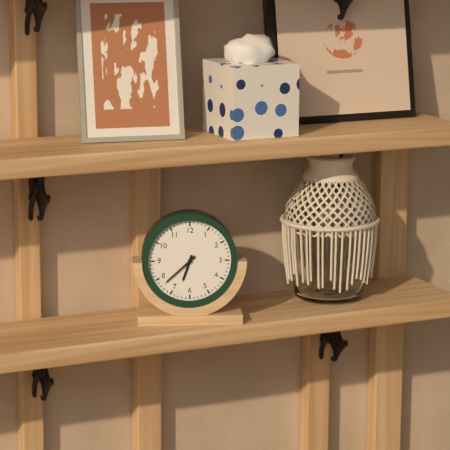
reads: 6,38
